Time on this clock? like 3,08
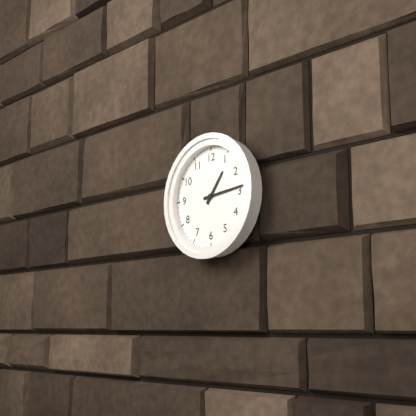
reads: 1,14
